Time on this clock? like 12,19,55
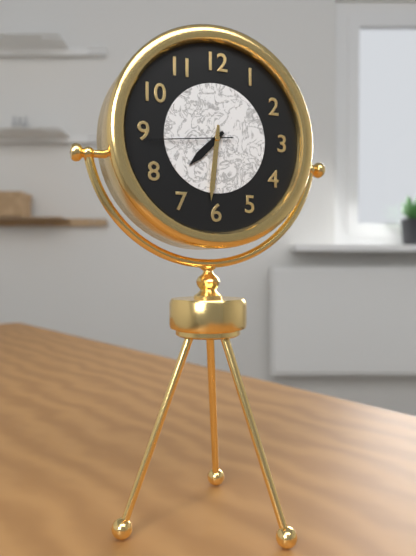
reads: 7,31,44
